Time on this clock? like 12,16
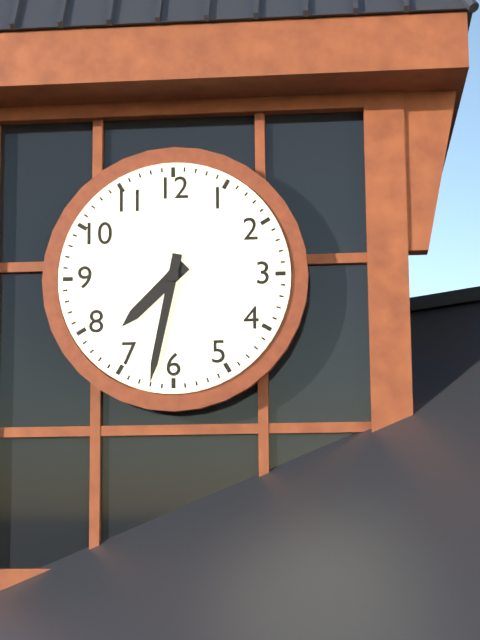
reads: 7,32
